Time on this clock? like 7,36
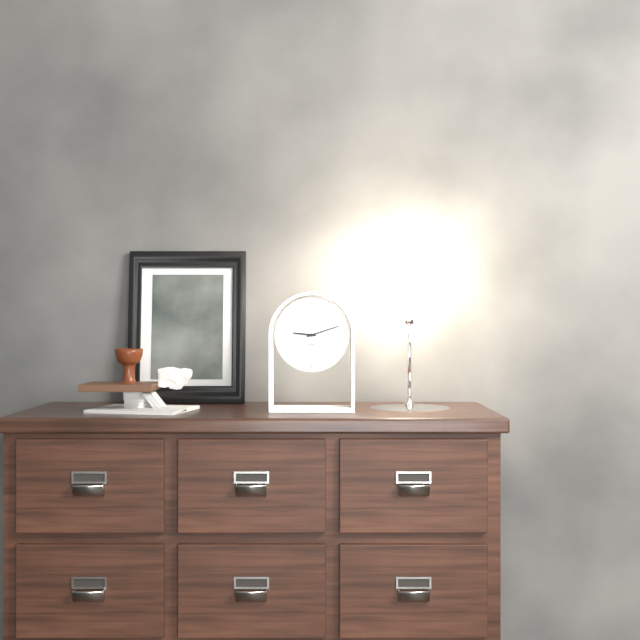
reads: 9,12
